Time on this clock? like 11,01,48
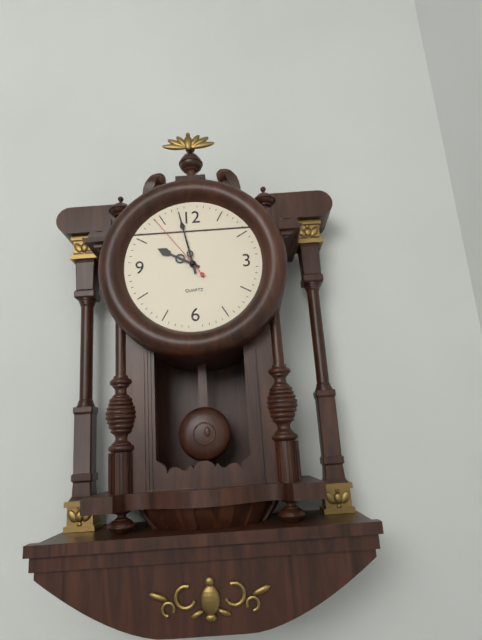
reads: 9,58,54
